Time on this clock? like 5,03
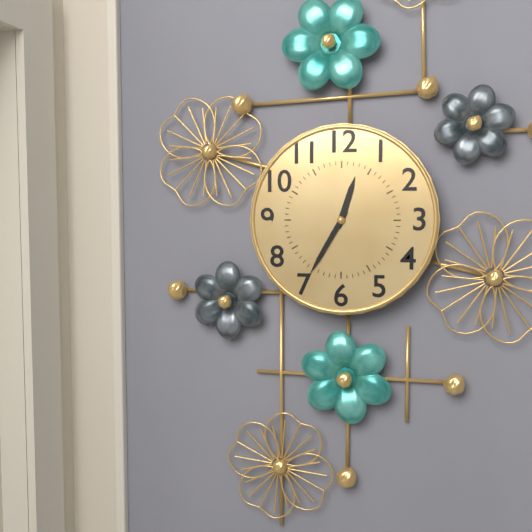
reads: 12,35
